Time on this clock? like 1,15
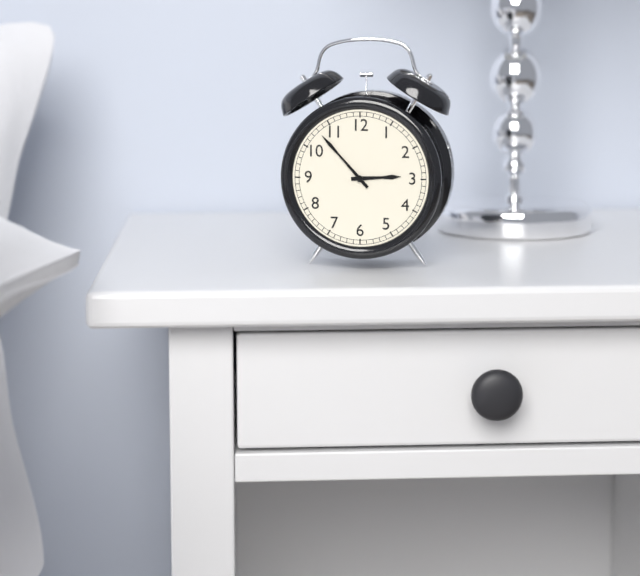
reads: 2,53
